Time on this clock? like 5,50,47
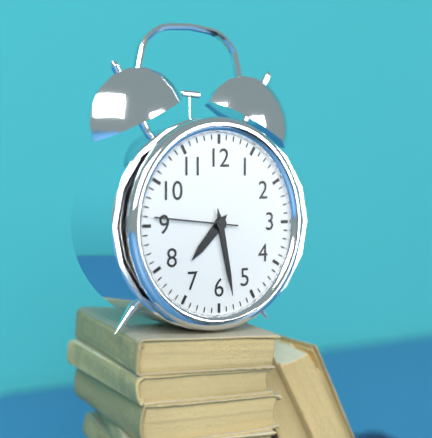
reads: 7,28,46
